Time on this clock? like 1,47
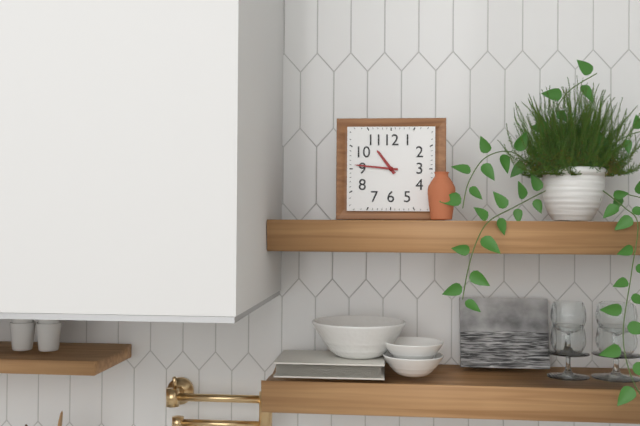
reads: 10,46
